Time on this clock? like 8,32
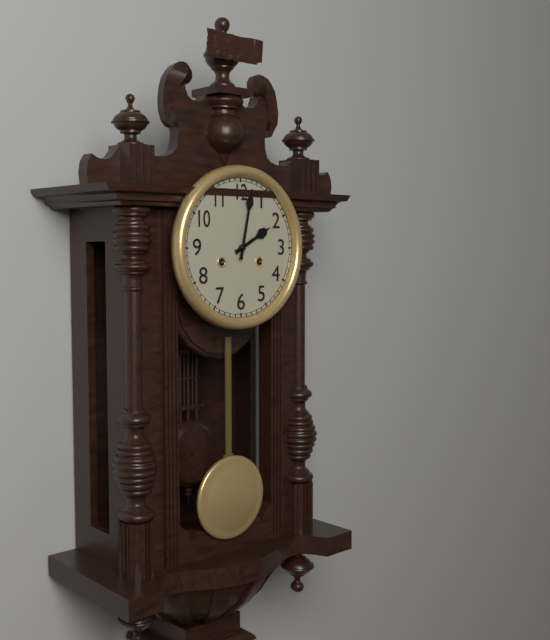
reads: 2,02
